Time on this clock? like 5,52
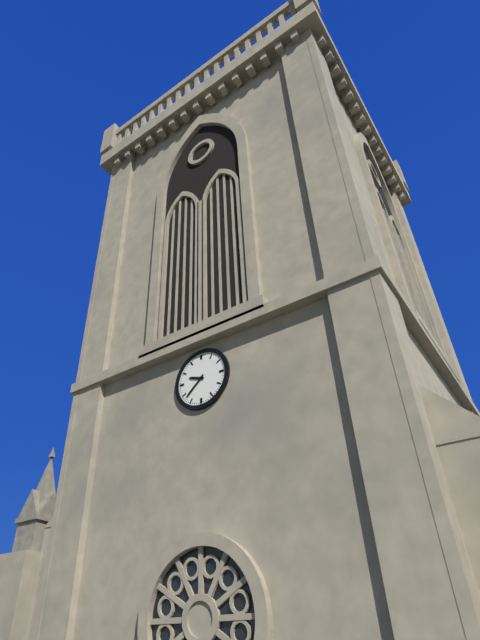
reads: 9,38
